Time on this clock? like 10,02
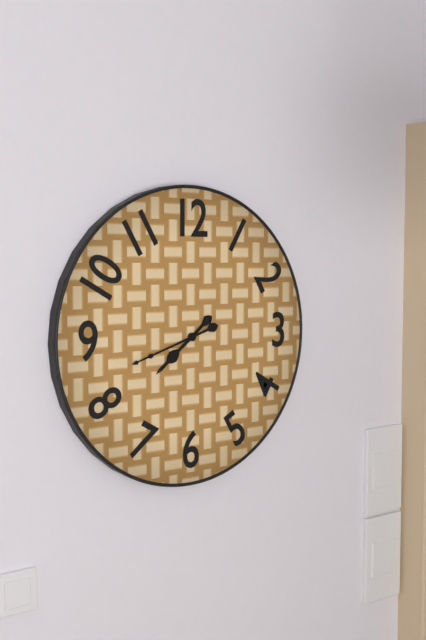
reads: 7,42
